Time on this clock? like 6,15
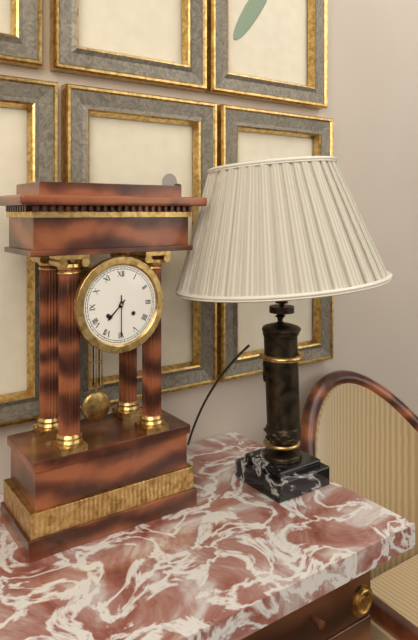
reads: 7,30
